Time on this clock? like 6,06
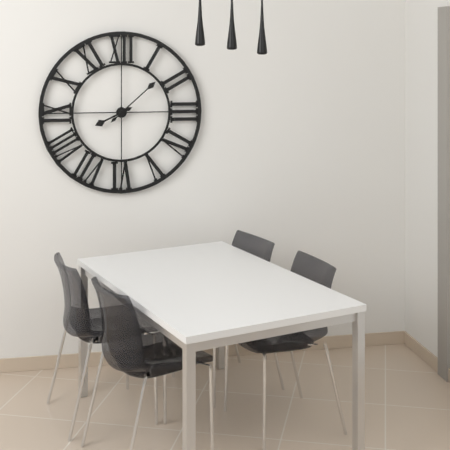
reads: 8,08
